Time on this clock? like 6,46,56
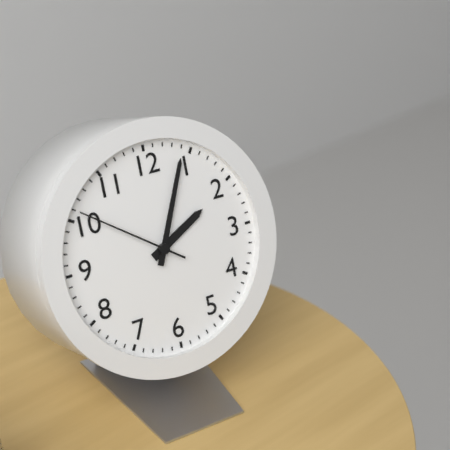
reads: 2,04,51
